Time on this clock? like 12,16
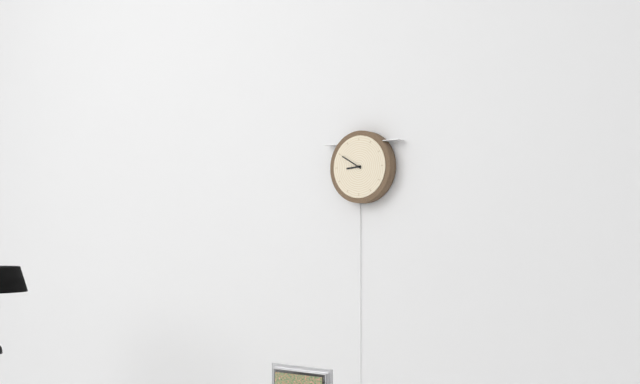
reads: 8,50
